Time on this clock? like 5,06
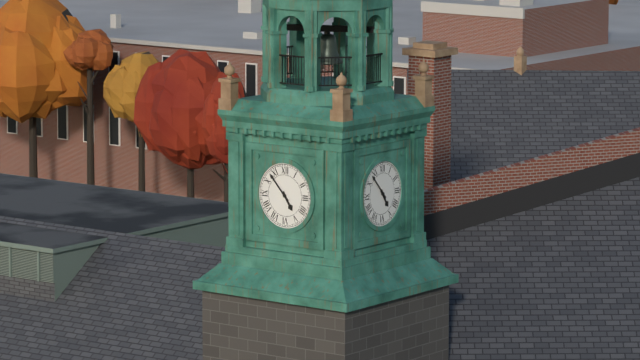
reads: 4,53
